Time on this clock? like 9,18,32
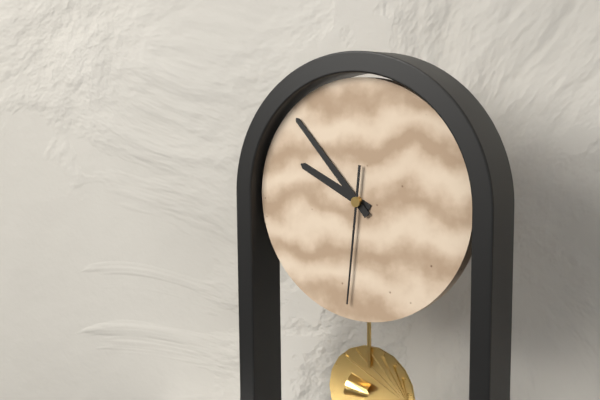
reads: 9,53,31
